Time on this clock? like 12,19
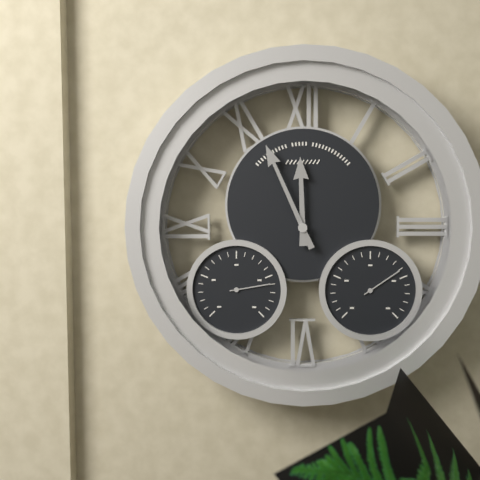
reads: 11,56
